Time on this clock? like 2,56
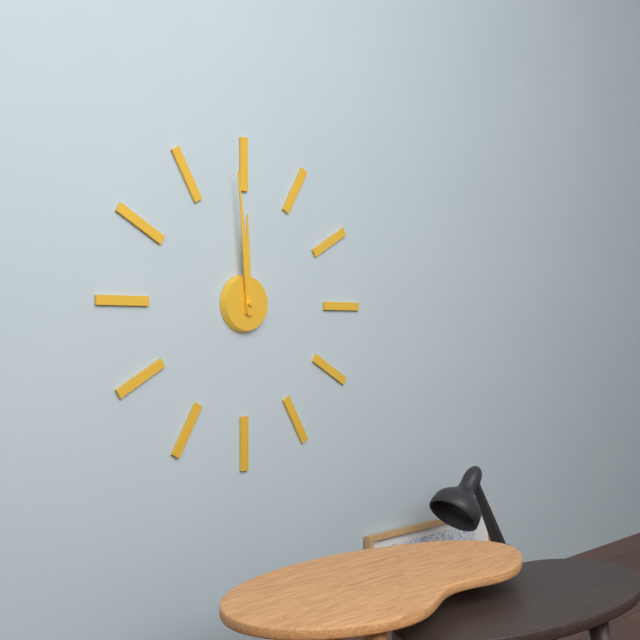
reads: 11,59
